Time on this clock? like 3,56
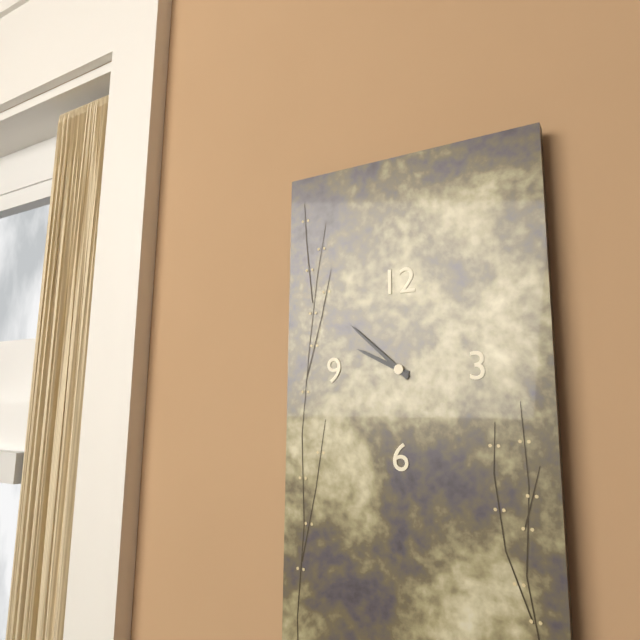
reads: 9,52
